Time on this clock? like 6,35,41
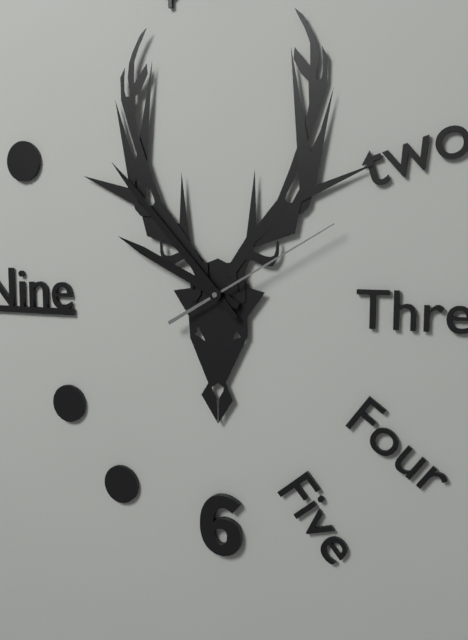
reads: 9,53,10
